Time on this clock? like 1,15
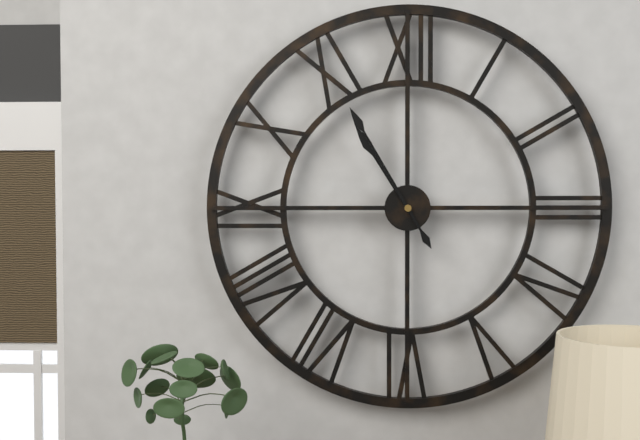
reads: 10,55
